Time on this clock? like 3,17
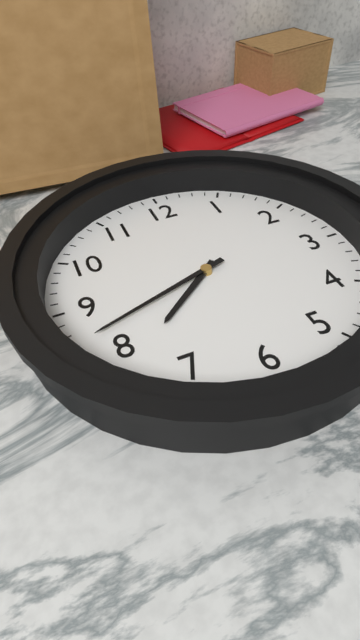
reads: 7,42
